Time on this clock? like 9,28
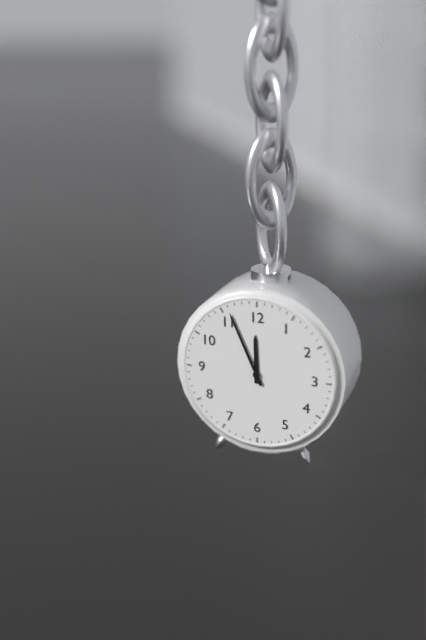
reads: 11,56
